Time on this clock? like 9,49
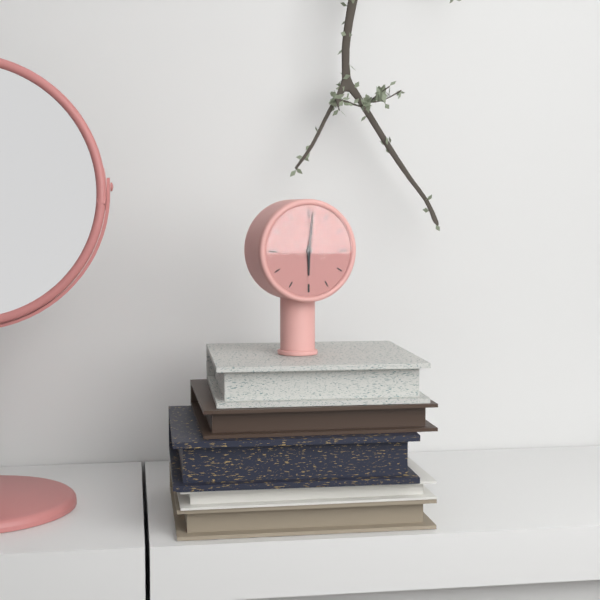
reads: 6,01
